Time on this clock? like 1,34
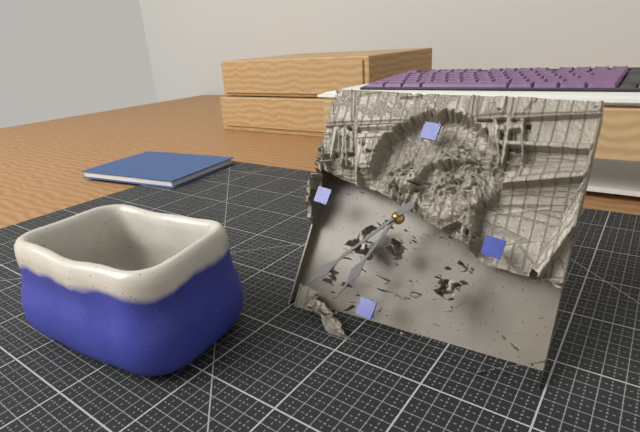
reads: 6,36
